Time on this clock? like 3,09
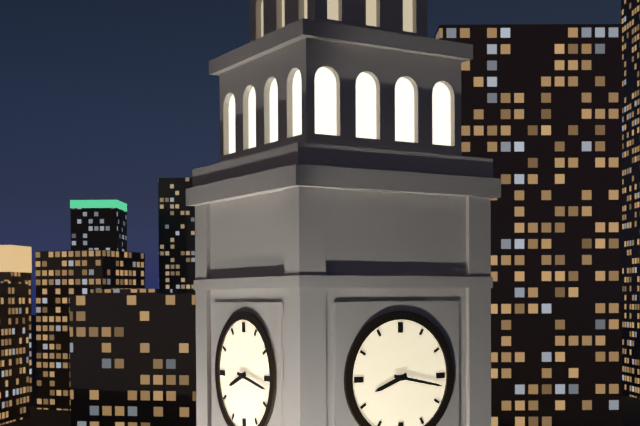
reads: 8,17
